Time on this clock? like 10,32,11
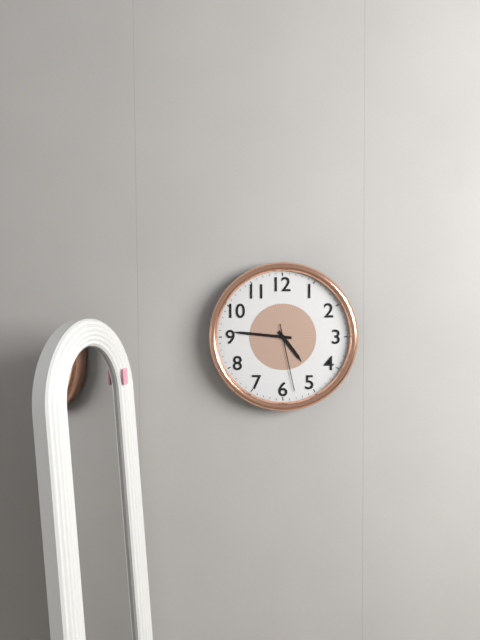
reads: 4,46,28
